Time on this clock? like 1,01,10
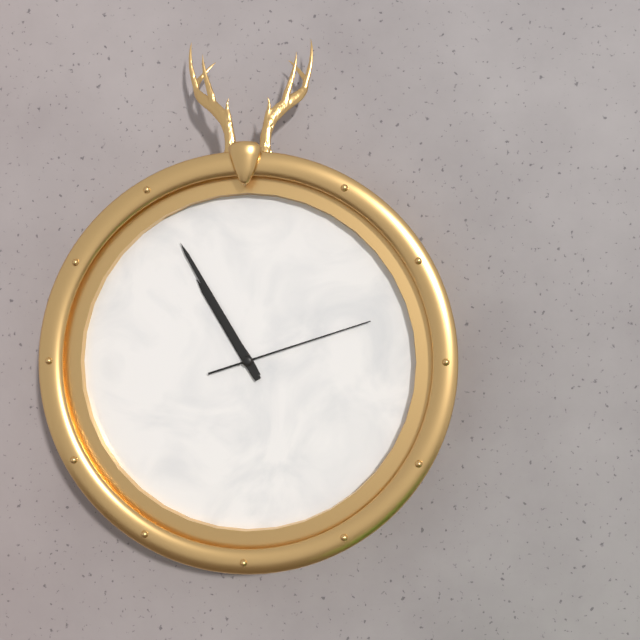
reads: 10,55,12
